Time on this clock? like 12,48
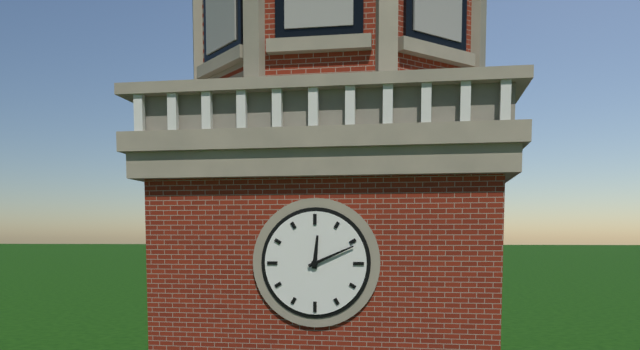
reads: 12,11
